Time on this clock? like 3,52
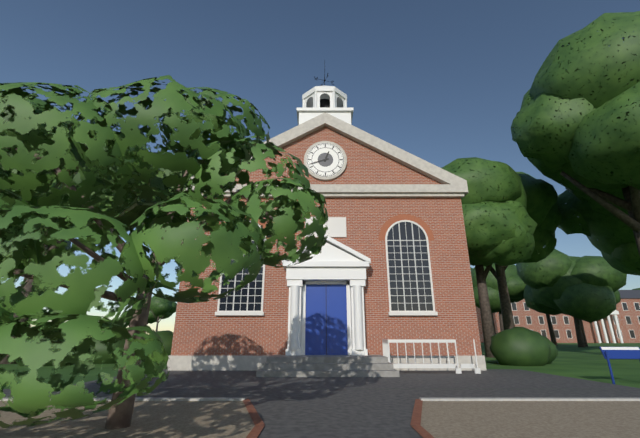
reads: 12,42
